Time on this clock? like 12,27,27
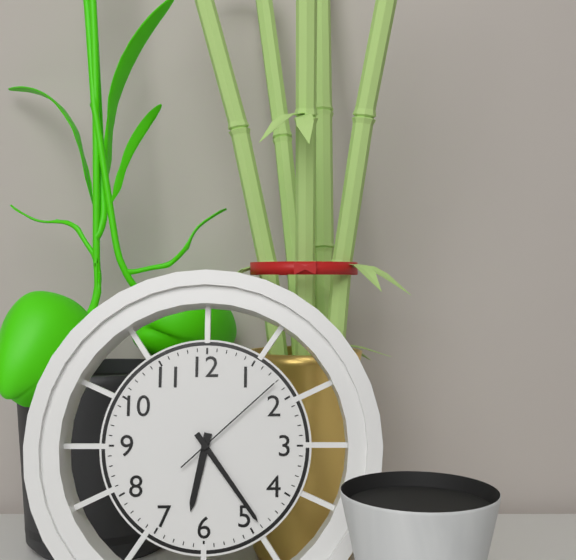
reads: 6,24,08
